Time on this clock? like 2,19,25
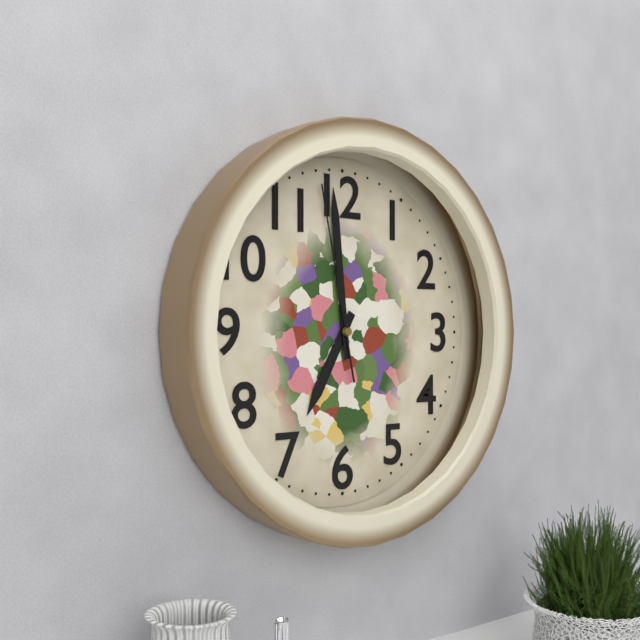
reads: 6,59,58
